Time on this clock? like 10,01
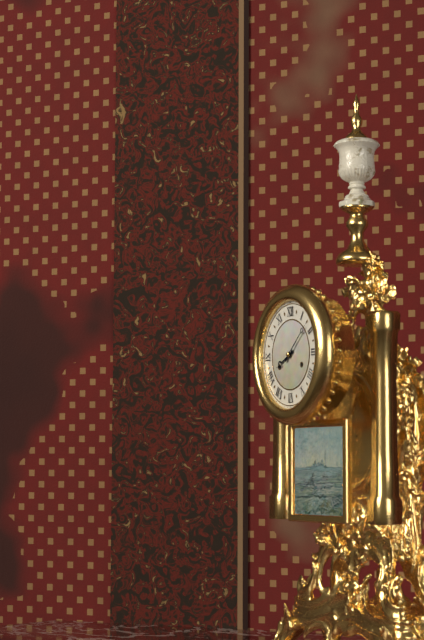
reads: 8,08
